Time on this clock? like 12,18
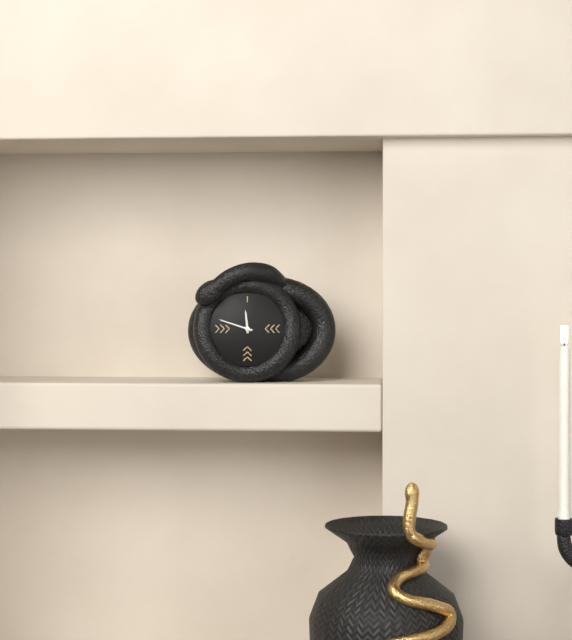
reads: 11,48
